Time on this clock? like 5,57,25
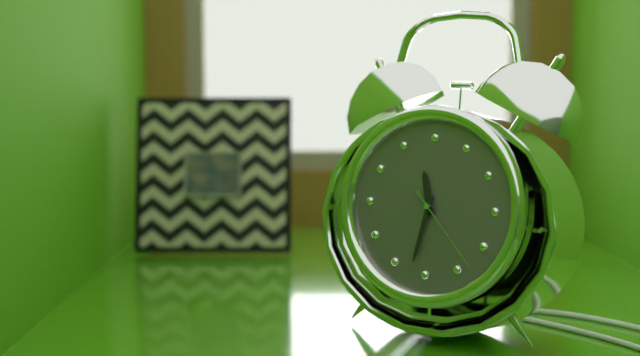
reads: 11,32,23
